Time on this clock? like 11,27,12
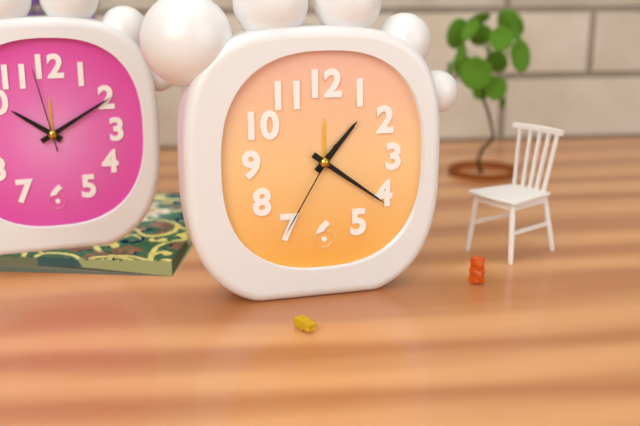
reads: 1,21,35
